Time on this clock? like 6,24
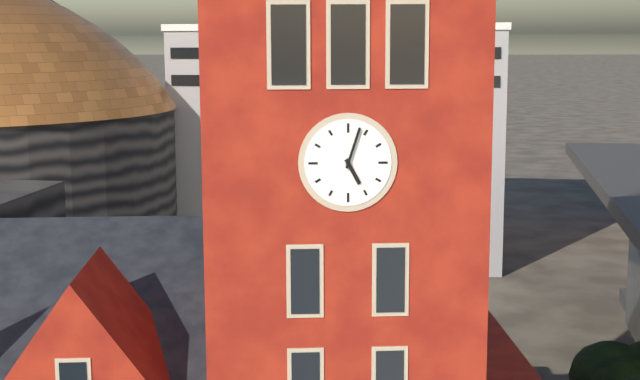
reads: 5,03
